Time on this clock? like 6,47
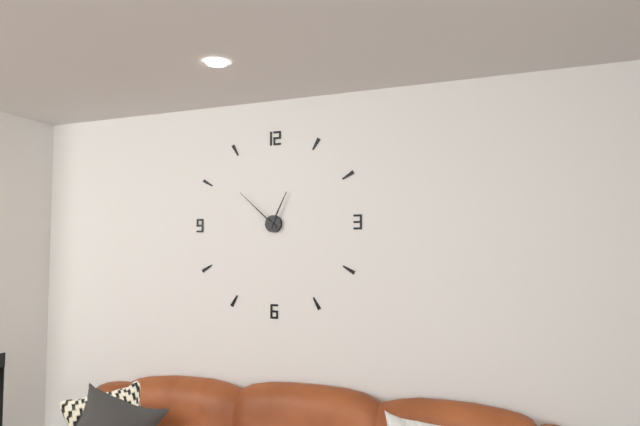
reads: 12,52
